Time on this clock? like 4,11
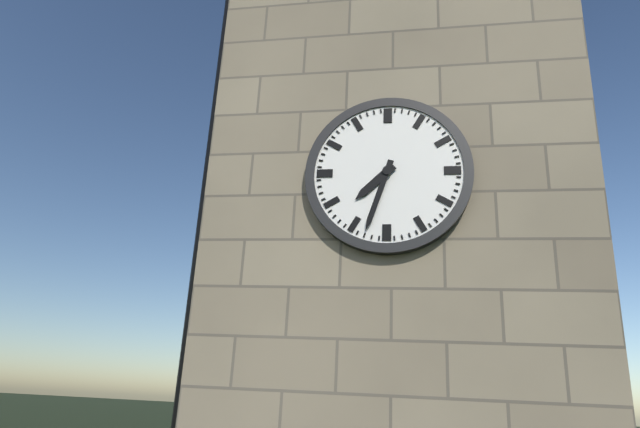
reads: 7,33
